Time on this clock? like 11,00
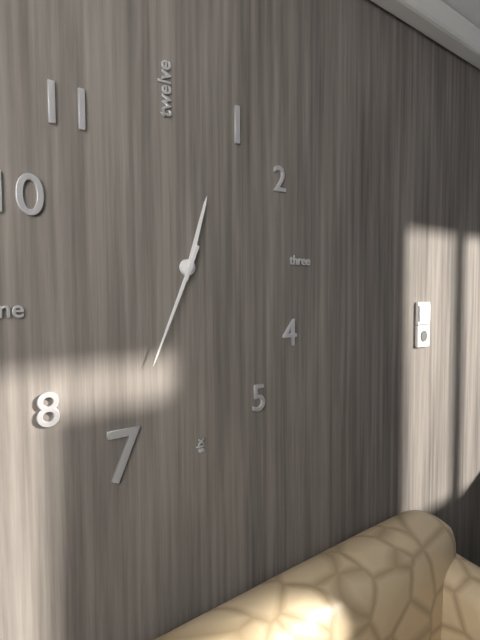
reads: 12,34
